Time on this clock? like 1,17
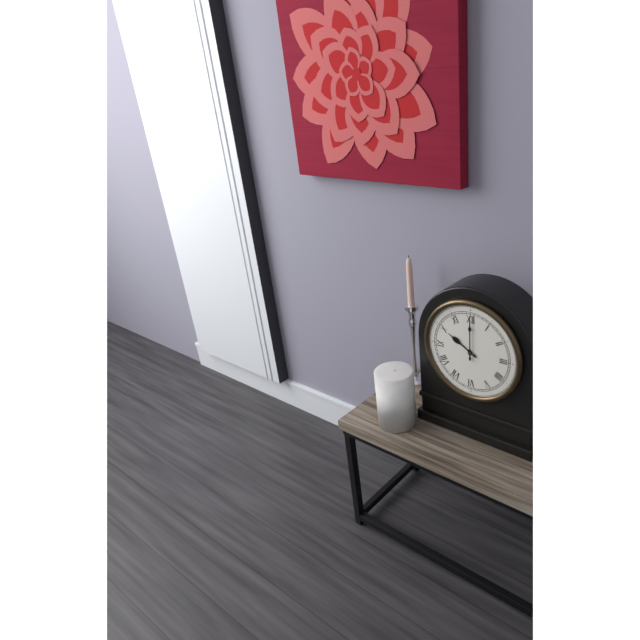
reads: 10,00
